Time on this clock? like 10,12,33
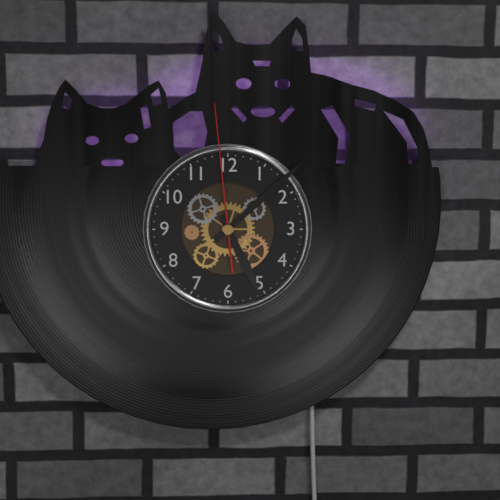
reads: 5,08,59
